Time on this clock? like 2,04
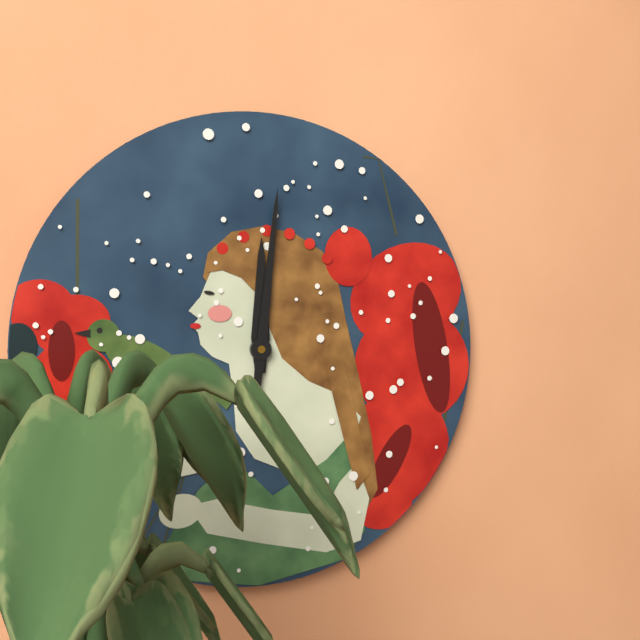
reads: 12,01
